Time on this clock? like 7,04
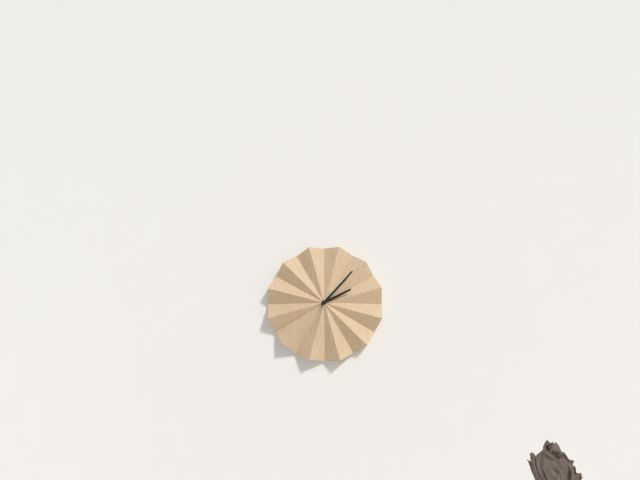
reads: 2,07
